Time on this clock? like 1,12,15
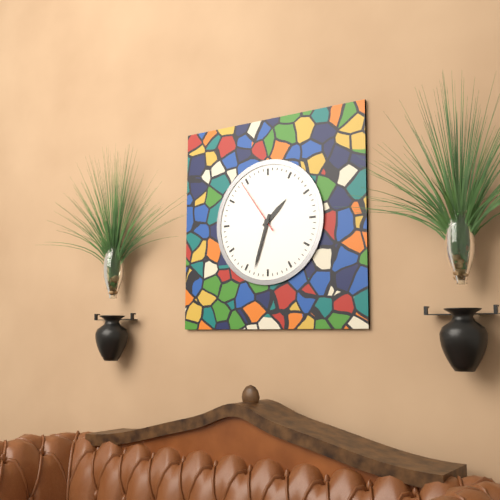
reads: 1,33,54
